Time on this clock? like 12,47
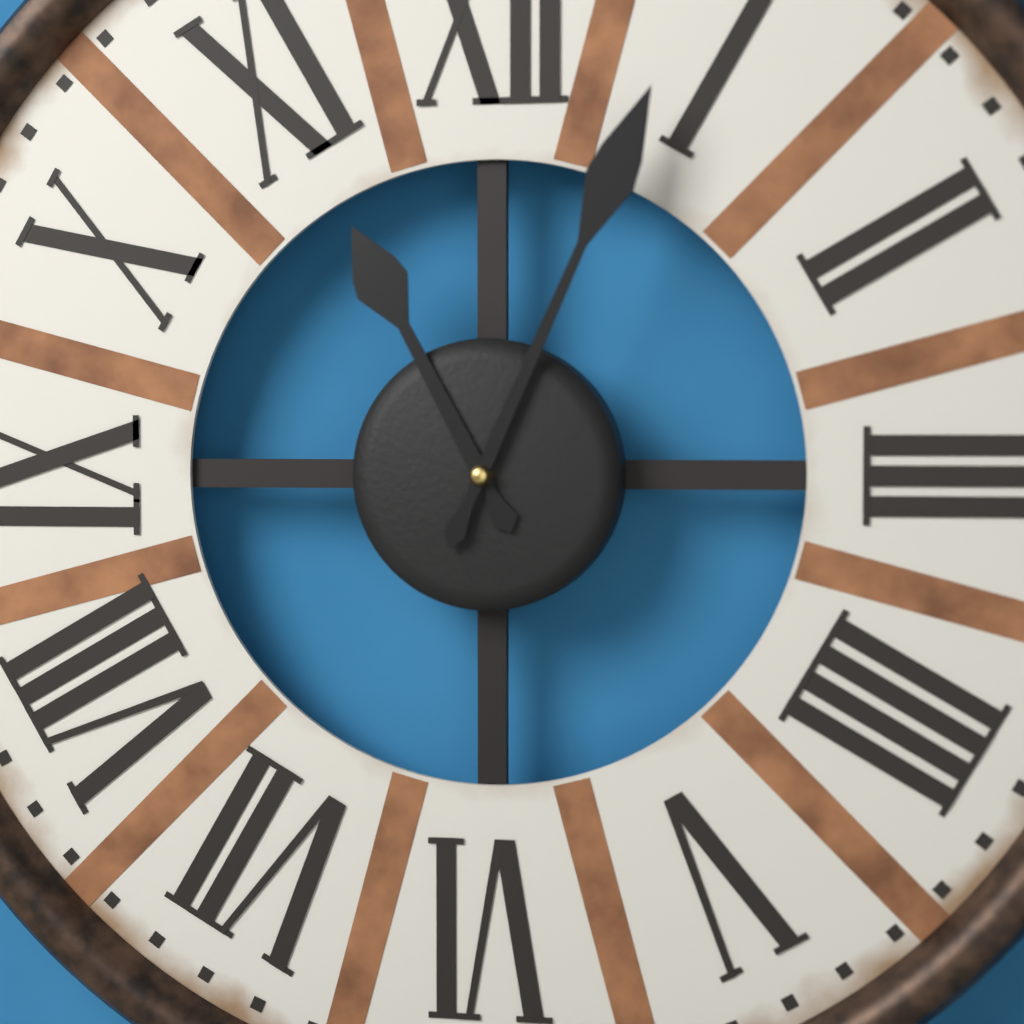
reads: 11,04
